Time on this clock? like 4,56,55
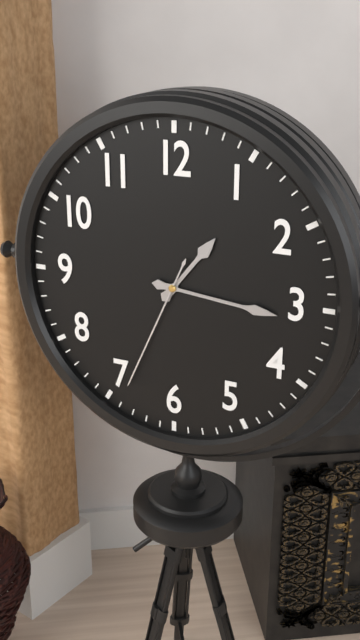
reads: 1,16,34
